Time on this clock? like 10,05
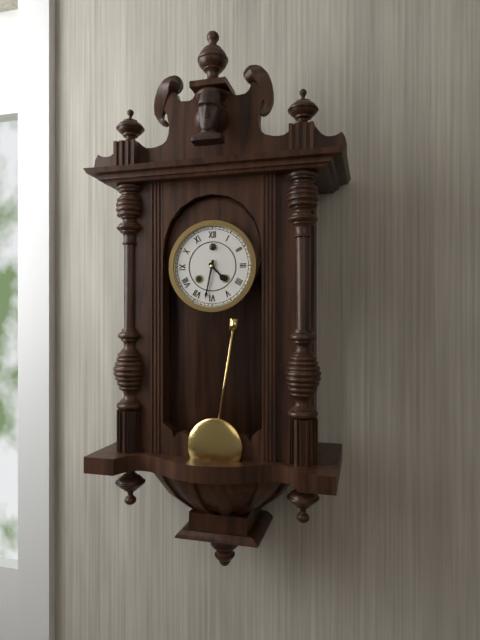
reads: 4,32
